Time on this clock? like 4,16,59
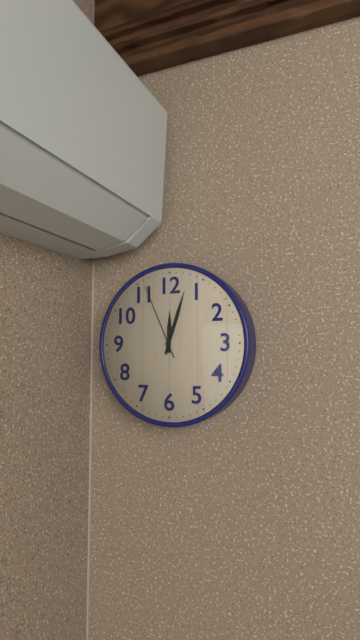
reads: 12,03,56
